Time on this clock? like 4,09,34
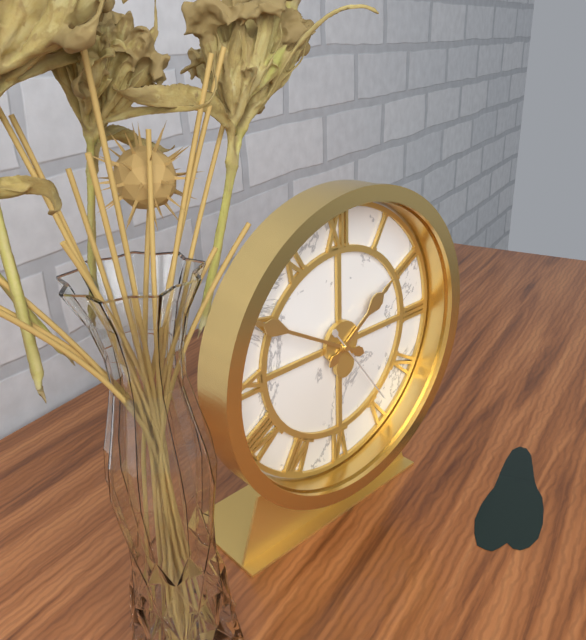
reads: 1,50,24
